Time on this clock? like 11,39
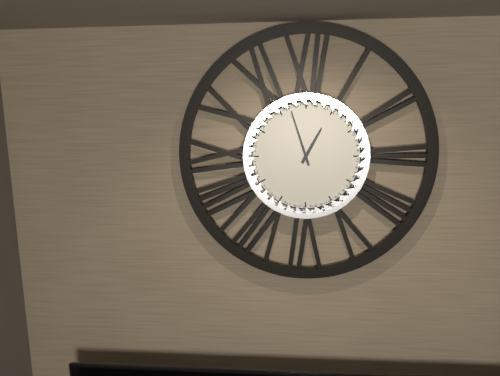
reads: 12,57
